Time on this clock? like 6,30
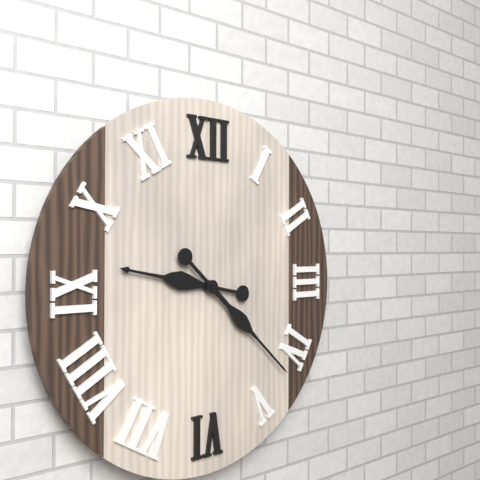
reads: 9,22
